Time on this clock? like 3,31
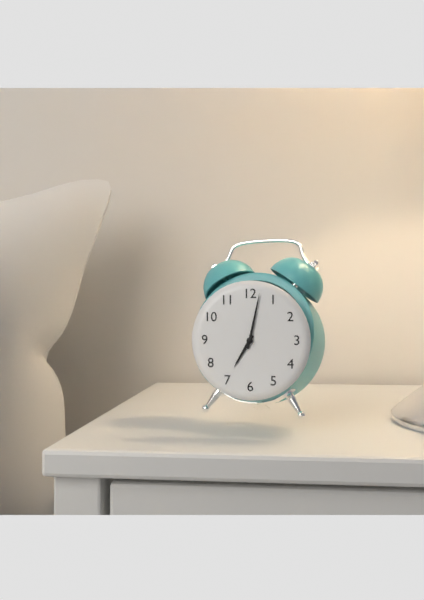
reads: 7,02
